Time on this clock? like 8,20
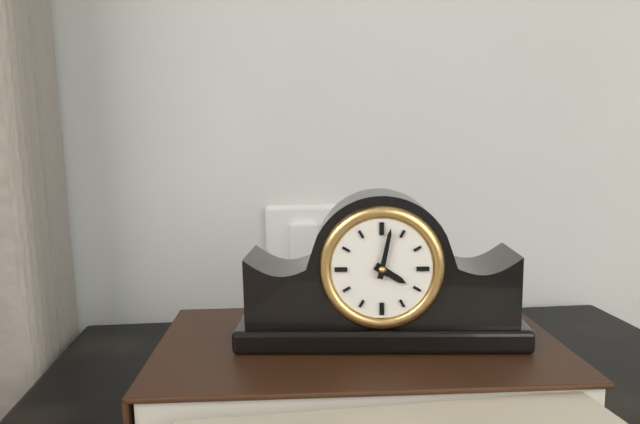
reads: 4,02
